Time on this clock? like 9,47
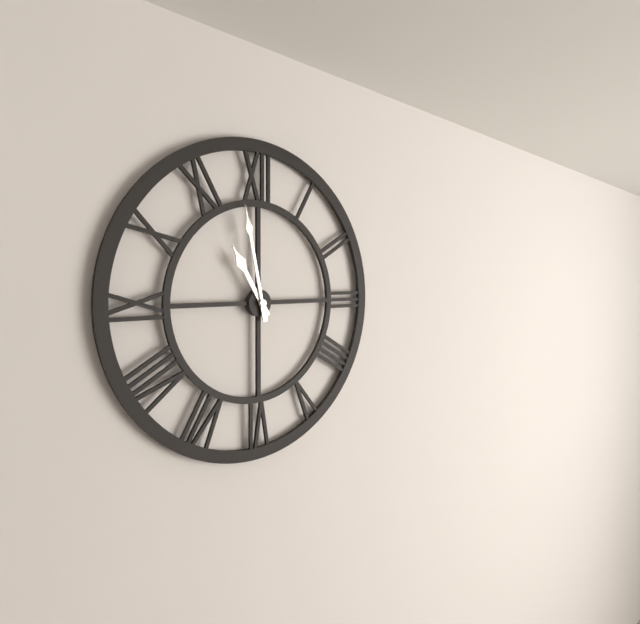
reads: 10,58
